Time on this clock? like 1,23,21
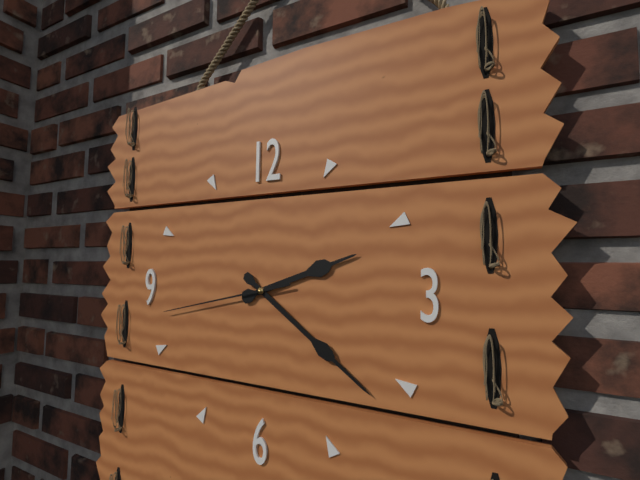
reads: 2,21,43
